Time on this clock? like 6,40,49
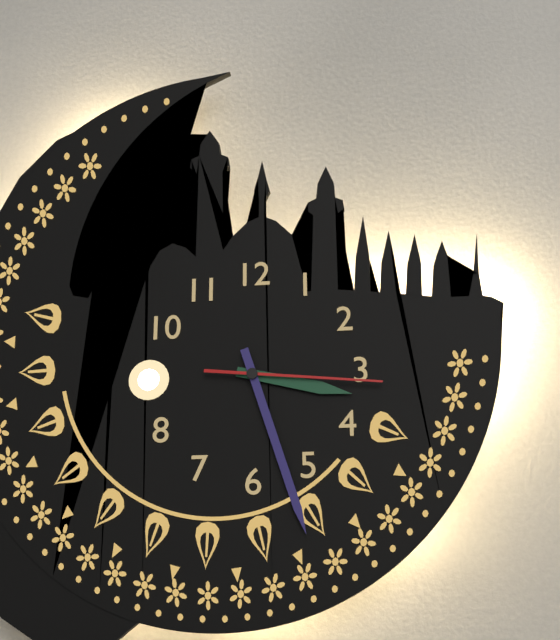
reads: 3,27,16
